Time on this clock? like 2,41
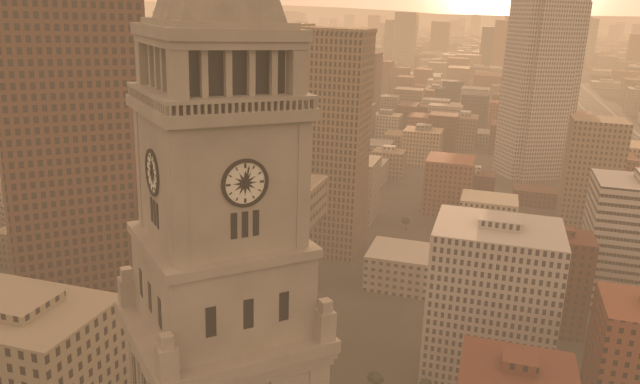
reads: 12,02
